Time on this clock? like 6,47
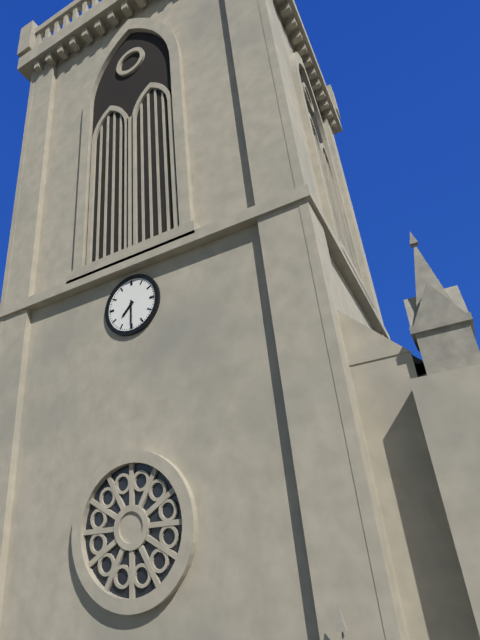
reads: 7,30
